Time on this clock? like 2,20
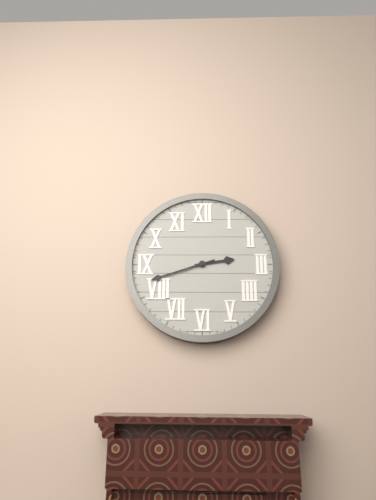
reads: 2,42
